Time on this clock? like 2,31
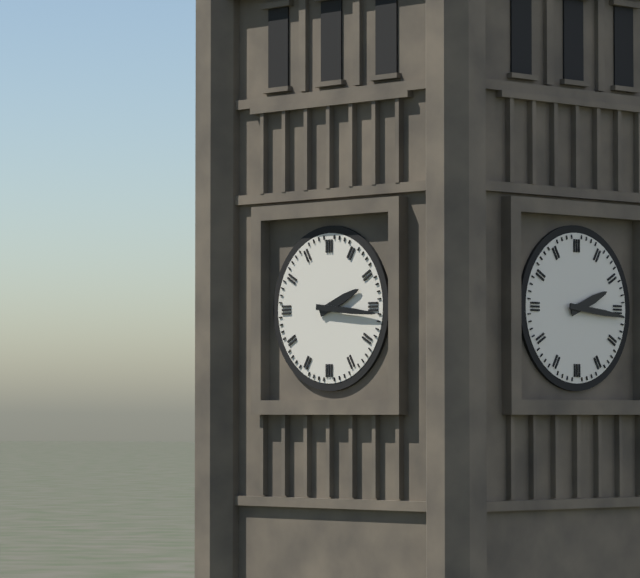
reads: 2,16
